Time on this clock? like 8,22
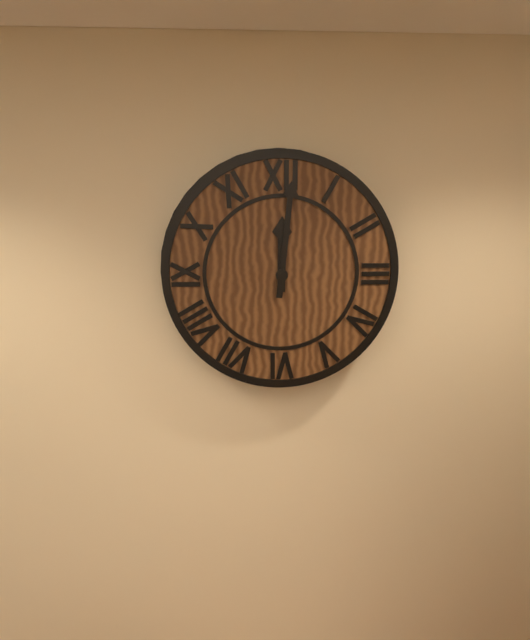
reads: 12,01
